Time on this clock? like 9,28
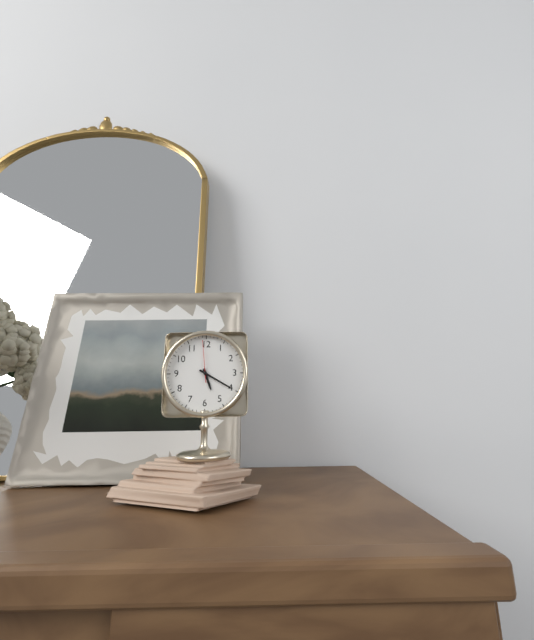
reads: 5,20
